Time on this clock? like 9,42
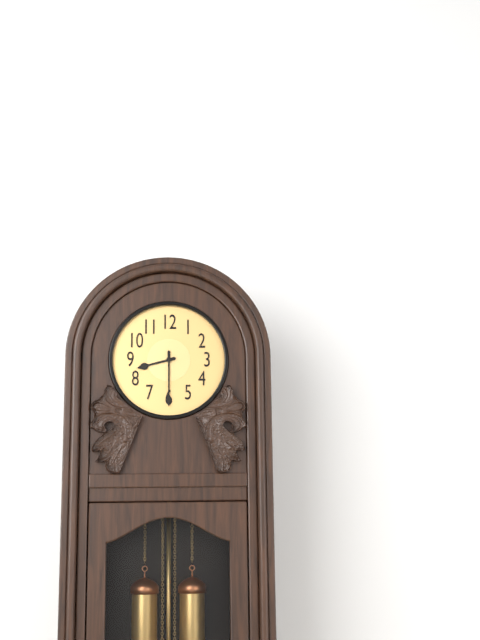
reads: 8,30
